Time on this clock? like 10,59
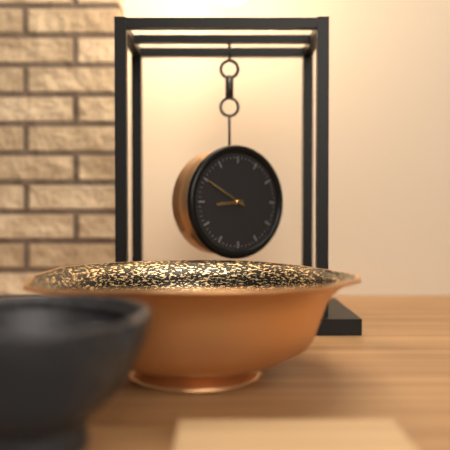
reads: 8,50
